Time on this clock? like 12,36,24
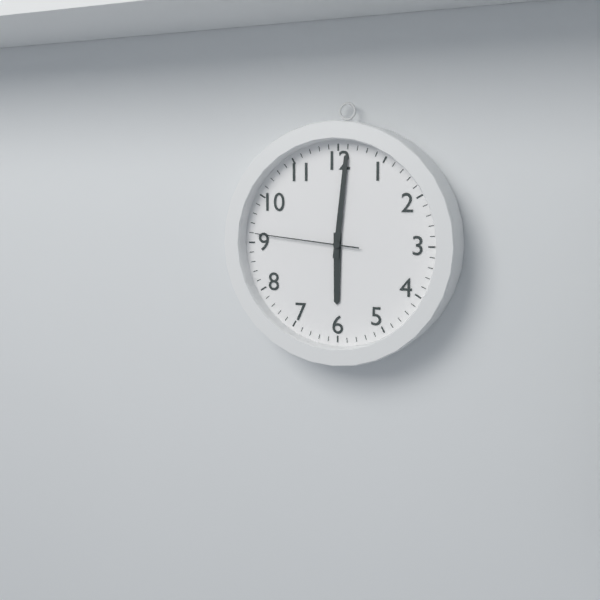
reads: 6,01,46
